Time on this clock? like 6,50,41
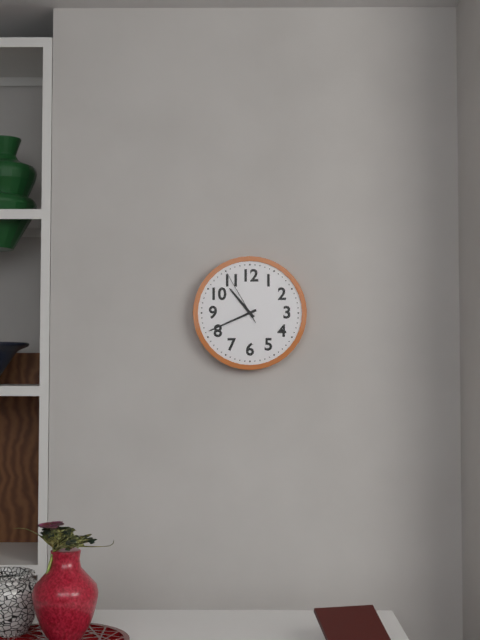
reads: 10,41,55
